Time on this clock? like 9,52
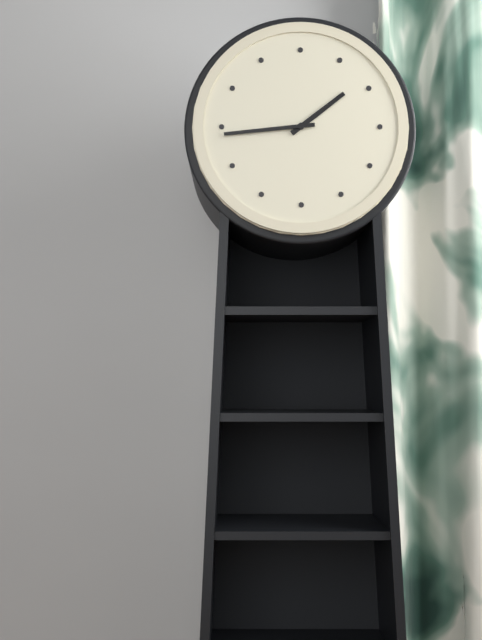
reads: 1,44
